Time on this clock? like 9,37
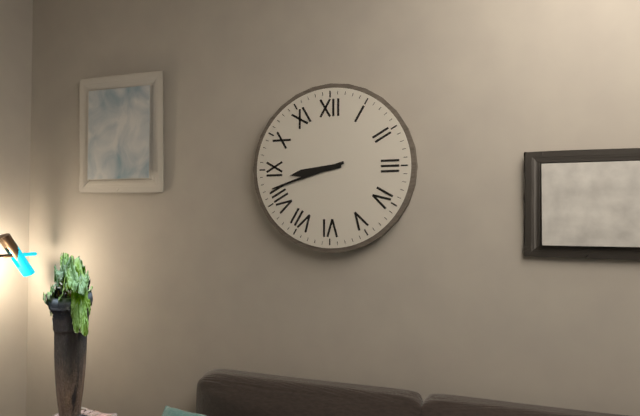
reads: 8,42
